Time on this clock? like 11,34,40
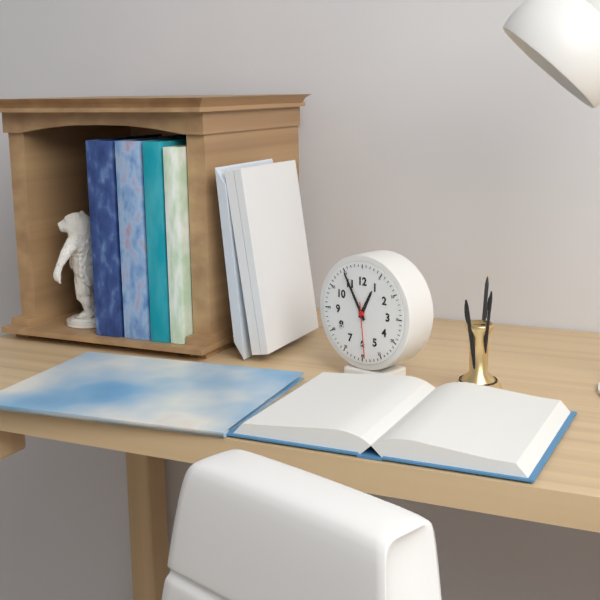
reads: 12,55,29
